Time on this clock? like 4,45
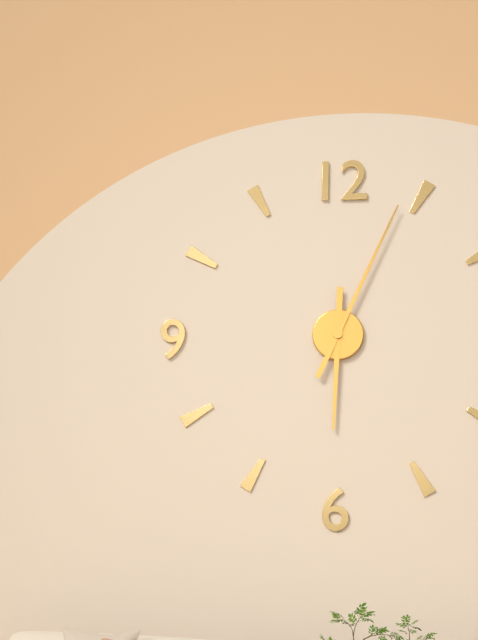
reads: 6,04
